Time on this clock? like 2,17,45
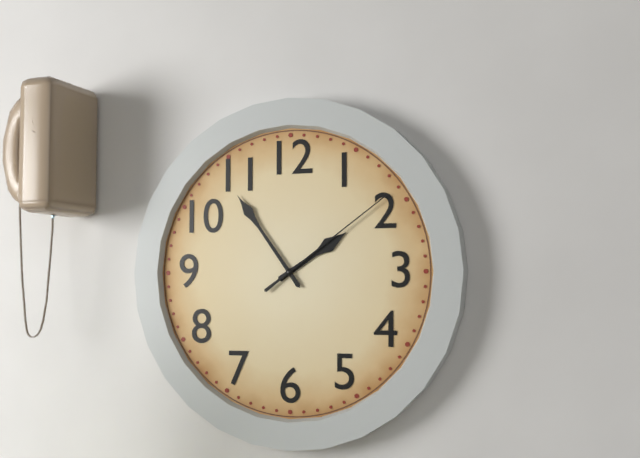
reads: 1,54,09
